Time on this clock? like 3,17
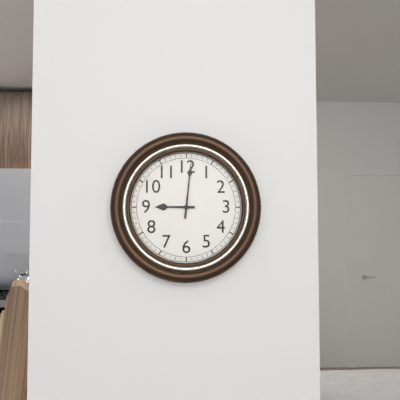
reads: 9,01
